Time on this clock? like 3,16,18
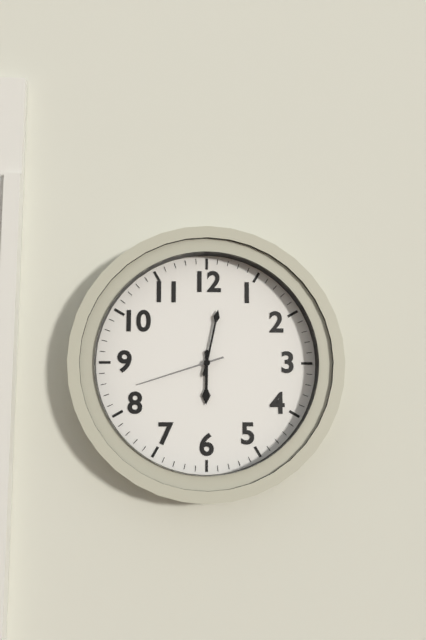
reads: 6,02,42
